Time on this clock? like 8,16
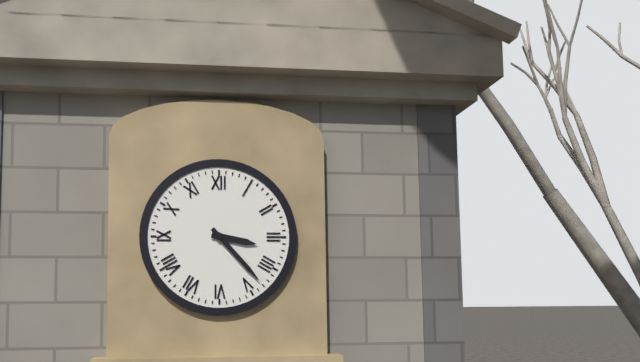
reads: 3,23
